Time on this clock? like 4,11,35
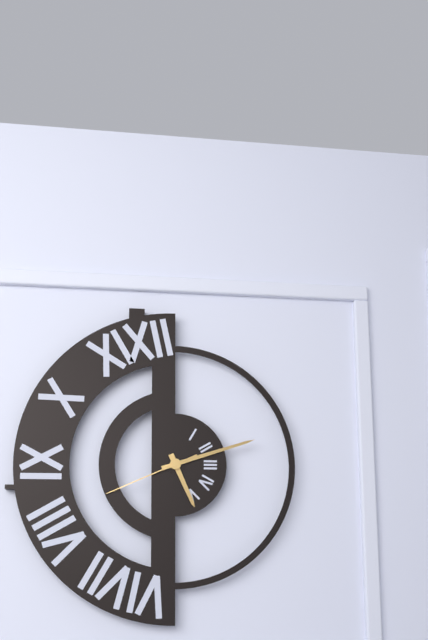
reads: 5,12,41
